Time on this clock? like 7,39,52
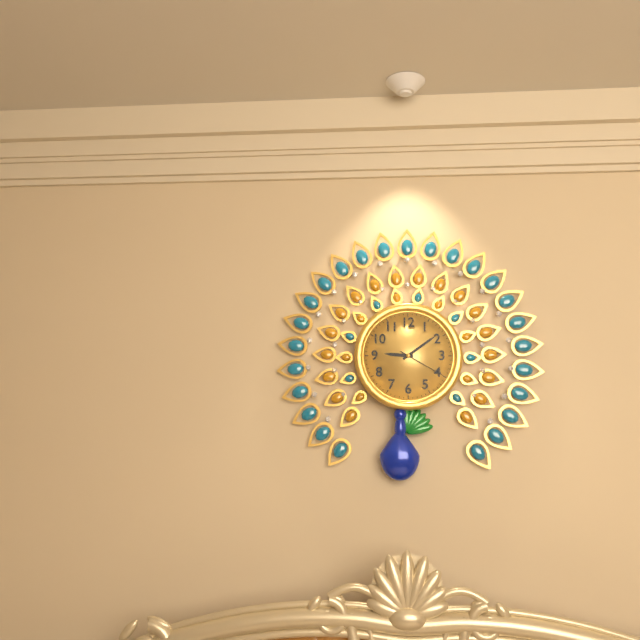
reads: 9,09,20
